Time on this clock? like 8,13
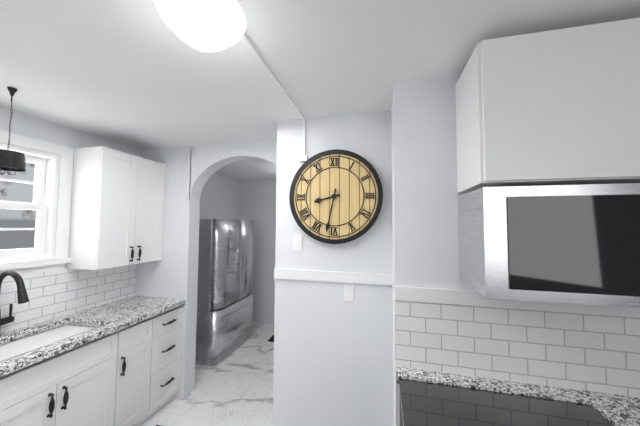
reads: 8,32
